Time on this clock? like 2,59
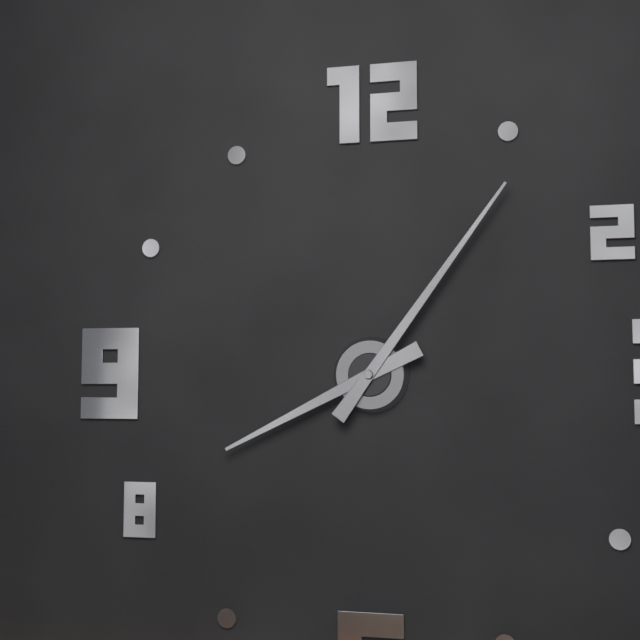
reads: 8,06
